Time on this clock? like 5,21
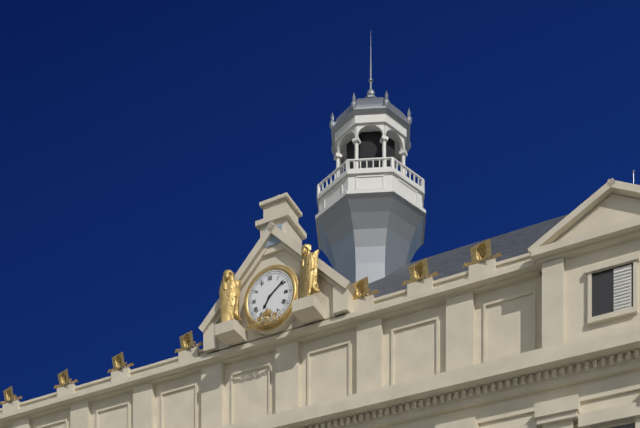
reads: 7,09
